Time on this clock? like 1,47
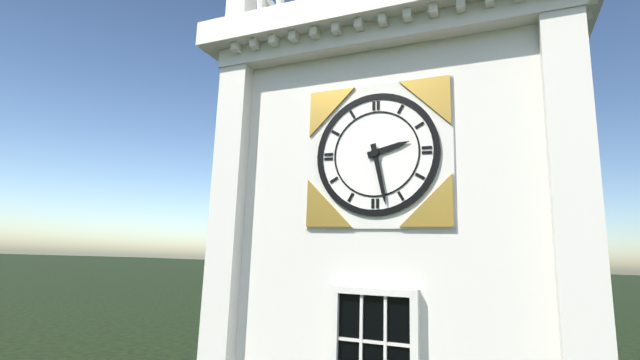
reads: 2,28
